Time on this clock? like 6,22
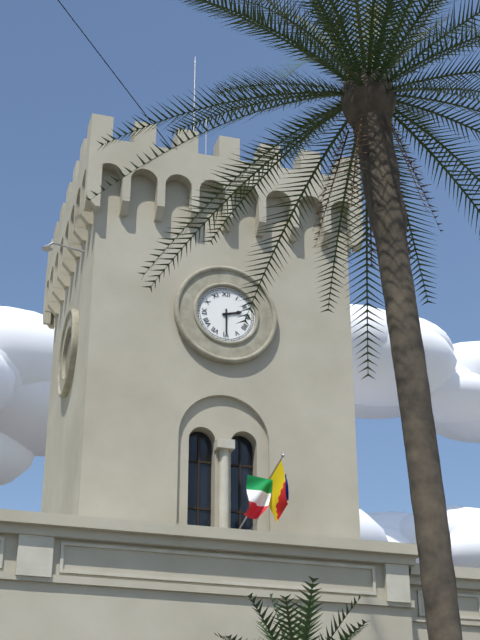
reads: 2,30
